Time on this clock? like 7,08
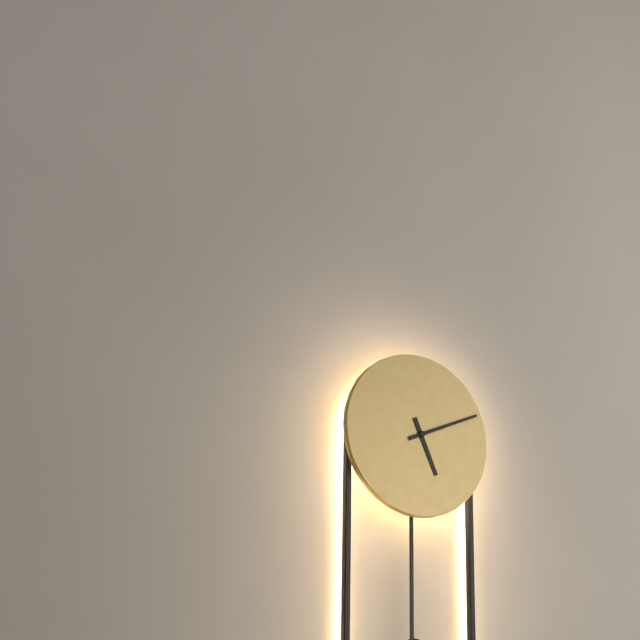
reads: 5,11
